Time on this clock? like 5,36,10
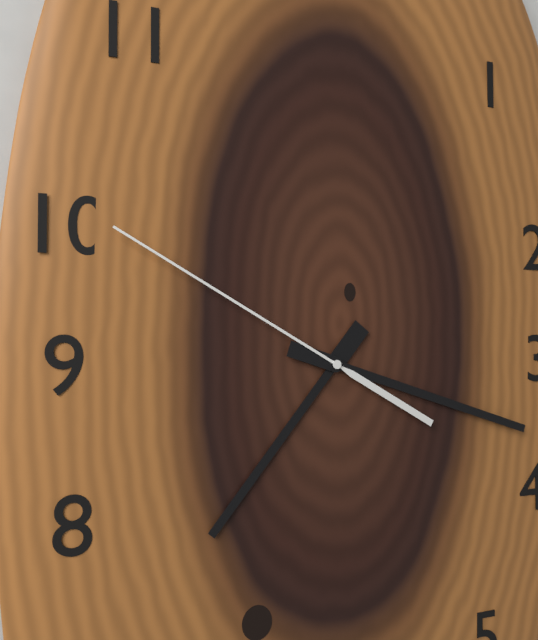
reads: 7,18,50
